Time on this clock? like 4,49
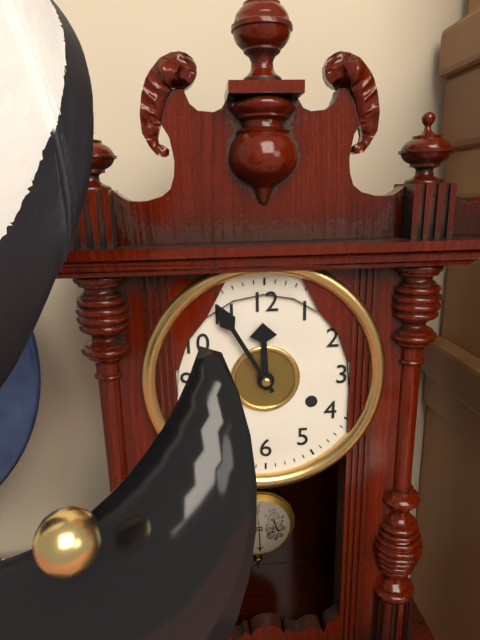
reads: 11,55
